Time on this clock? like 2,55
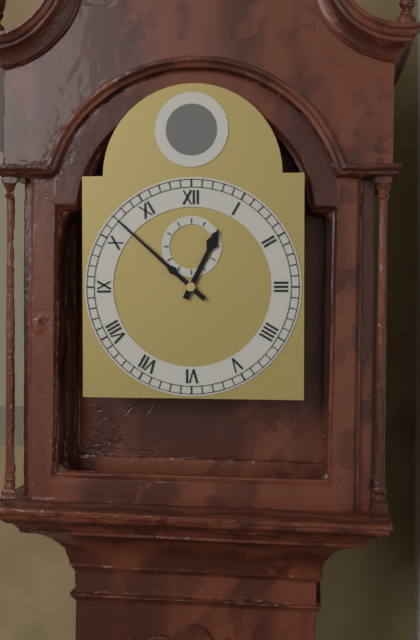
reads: 12,52
